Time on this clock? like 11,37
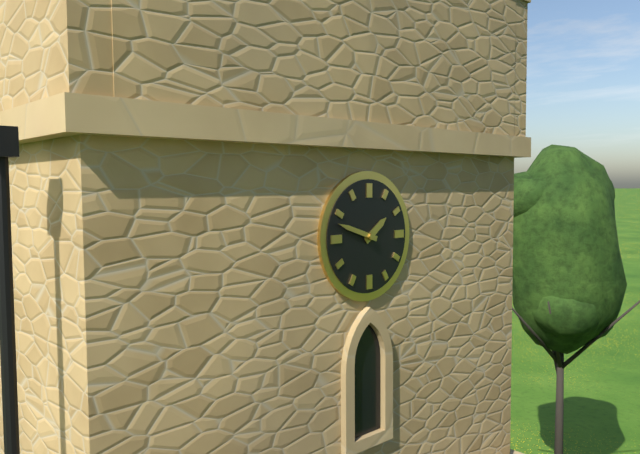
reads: 1,48
